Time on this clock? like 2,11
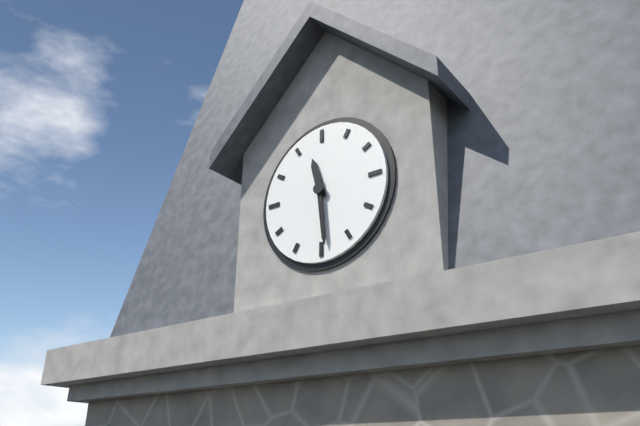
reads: 11,29
